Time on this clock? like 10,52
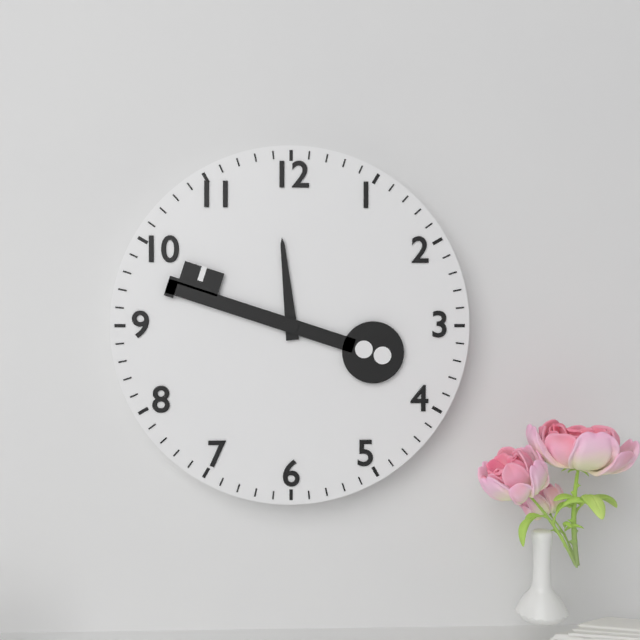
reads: 11,48
